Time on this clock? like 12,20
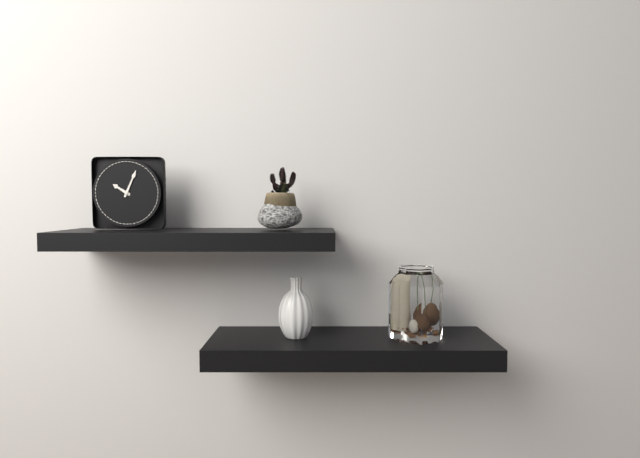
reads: 10,04
